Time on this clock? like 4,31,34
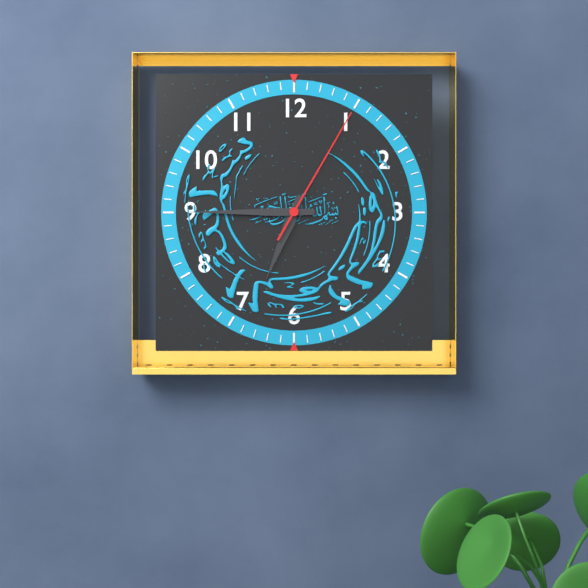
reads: 6,45,05
